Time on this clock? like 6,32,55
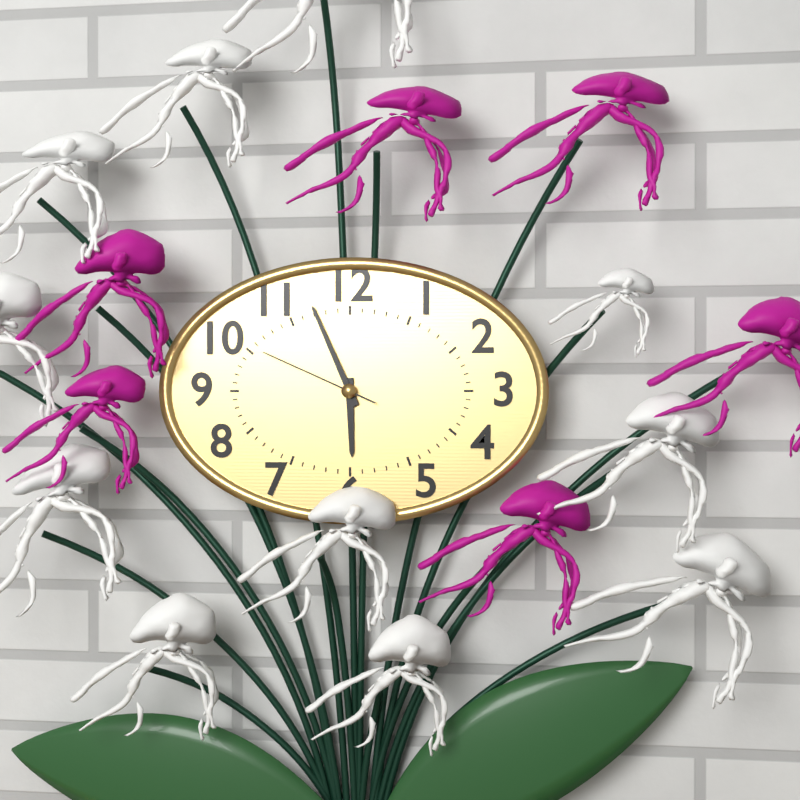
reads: 5,56,49
